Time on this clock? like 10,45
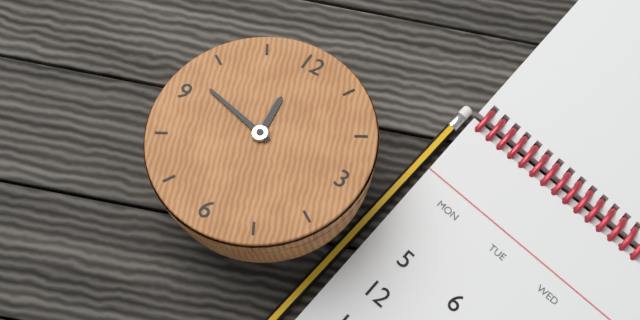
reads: 11,47
